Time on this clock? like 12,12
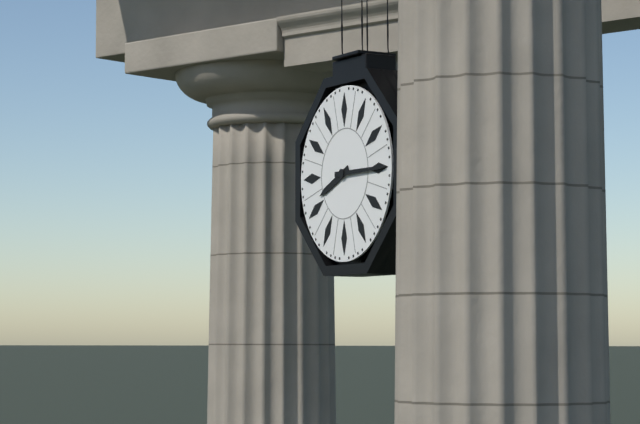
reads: 8,15
